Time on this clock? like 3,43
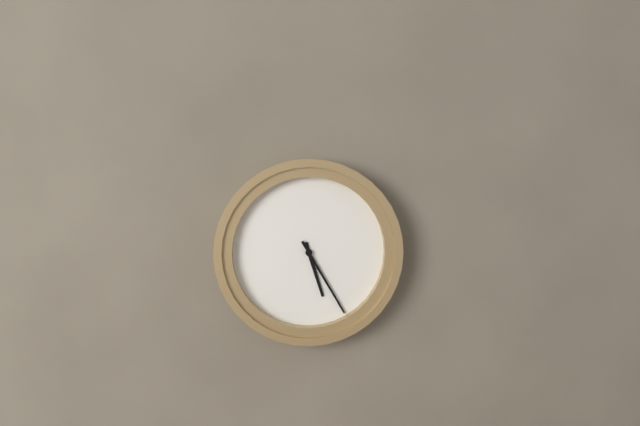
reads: 5,25
